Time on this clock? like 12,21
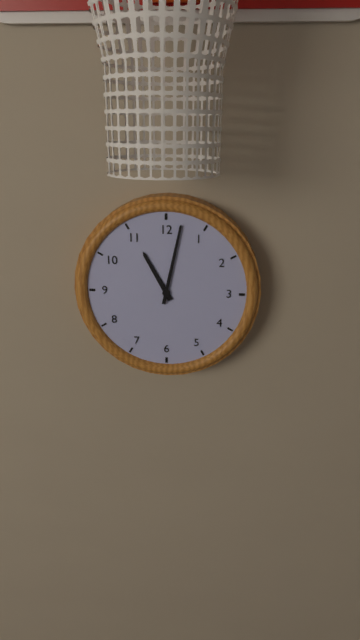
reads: 11,02
